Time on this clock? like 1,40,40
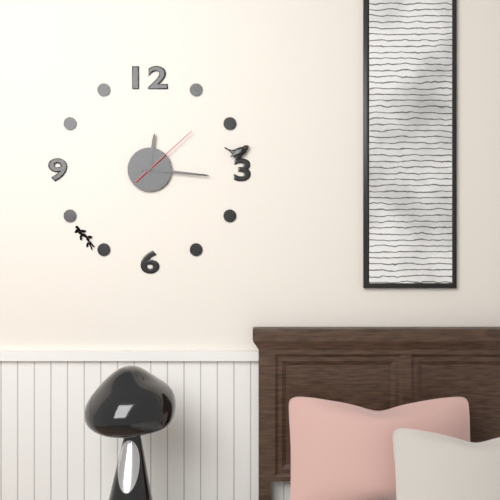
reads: 12,16,08
